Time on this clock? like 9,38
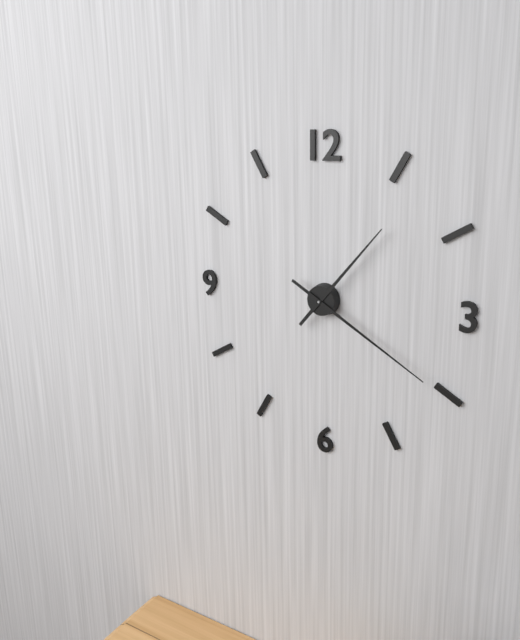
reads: 1,20
